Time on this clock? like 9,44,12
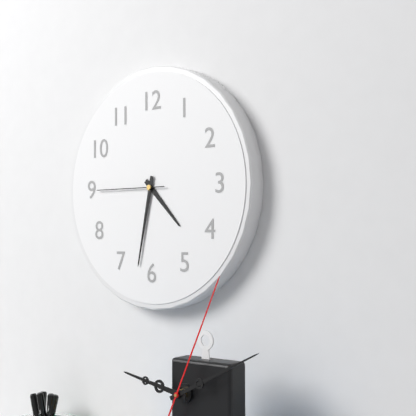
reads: 4,32,45
